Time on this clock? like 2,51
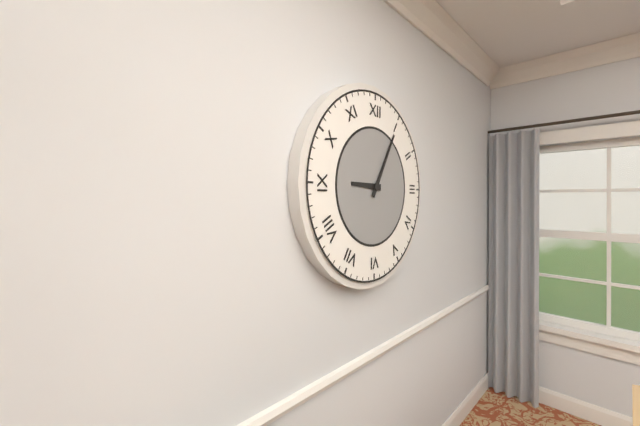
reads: 9,05
